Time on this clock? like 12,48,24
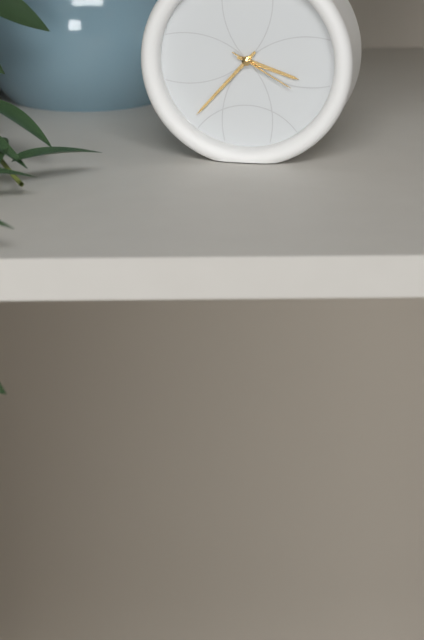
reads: 3,37,20
